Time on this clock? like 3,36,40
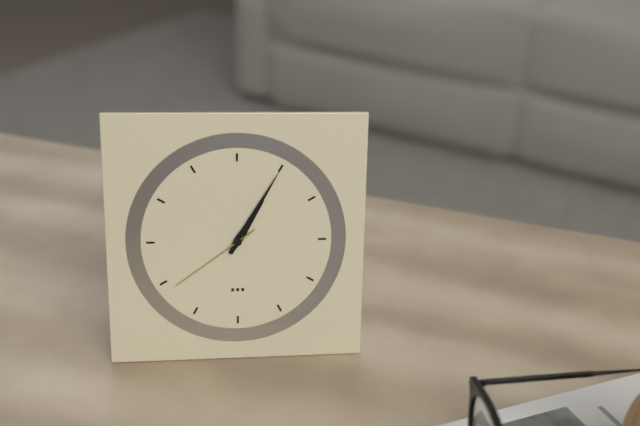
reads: 1,05,39
